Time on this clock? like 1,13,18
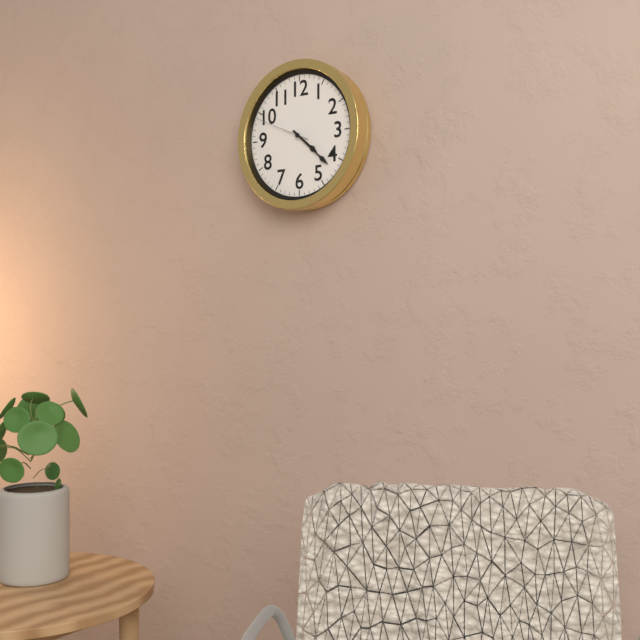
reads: 4,22,49
